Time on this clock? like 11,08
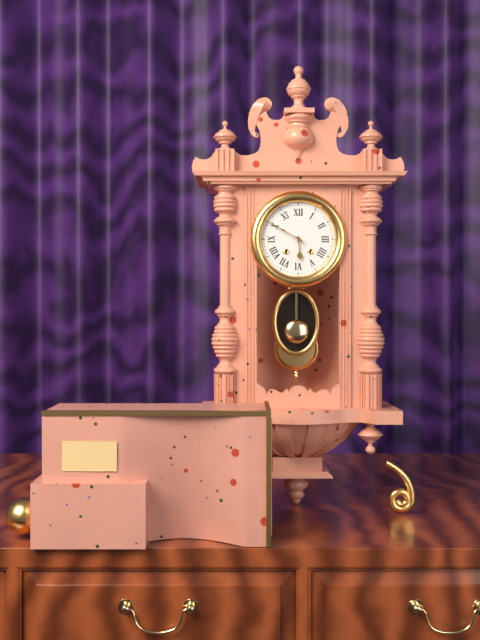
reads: 5,50
